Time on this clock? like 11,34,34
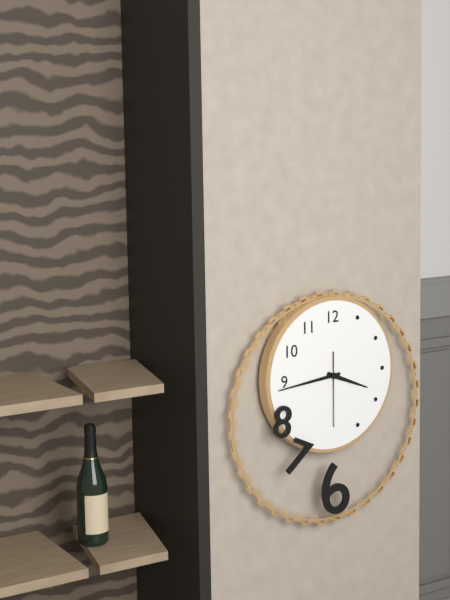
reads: 3,44,30
